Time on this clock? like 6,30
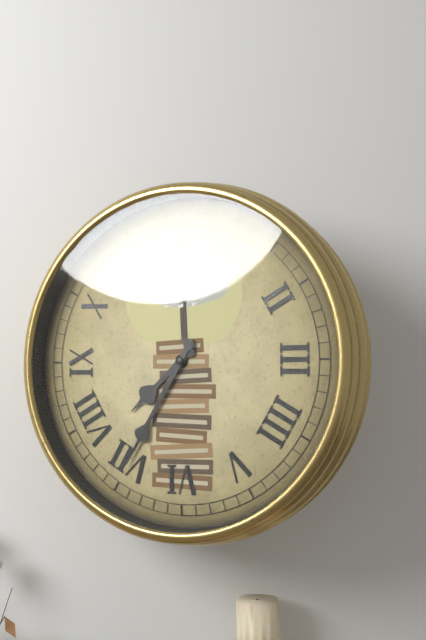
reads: 7,35
